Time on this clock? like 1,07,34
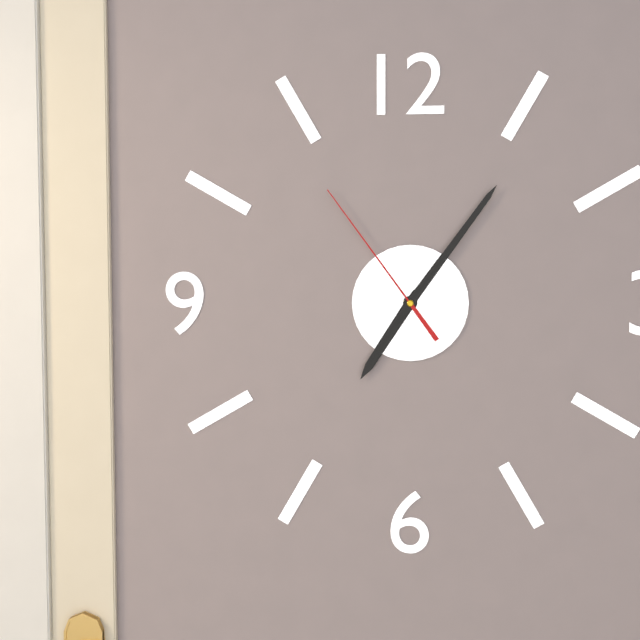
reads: 7,06,54
